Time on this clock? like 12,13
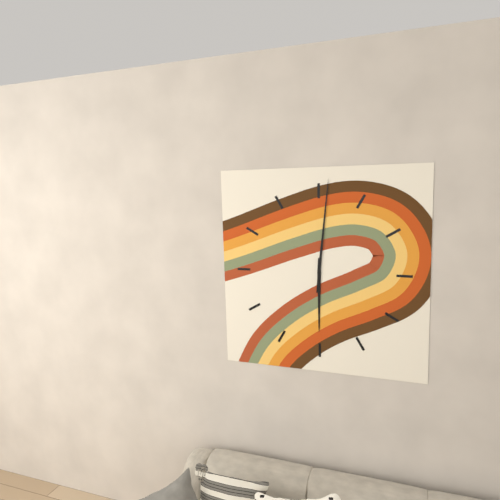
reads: 6,01
